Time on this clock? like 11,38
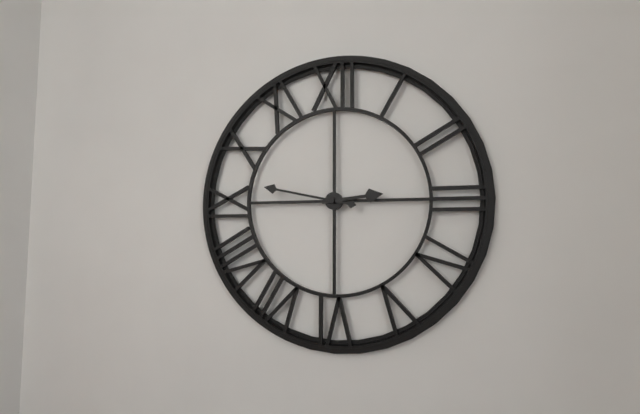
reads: 2,47
